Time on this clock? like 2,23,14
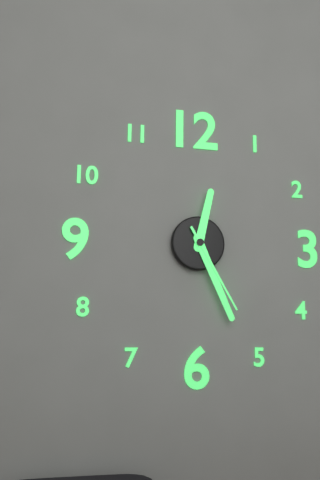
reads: 12,26,25
